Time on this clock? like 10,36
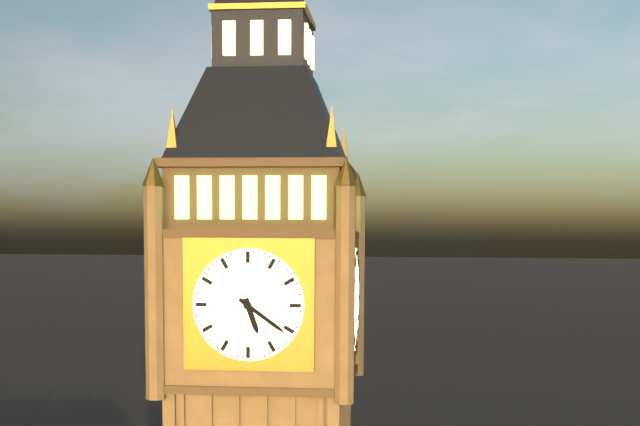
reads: 5,21
